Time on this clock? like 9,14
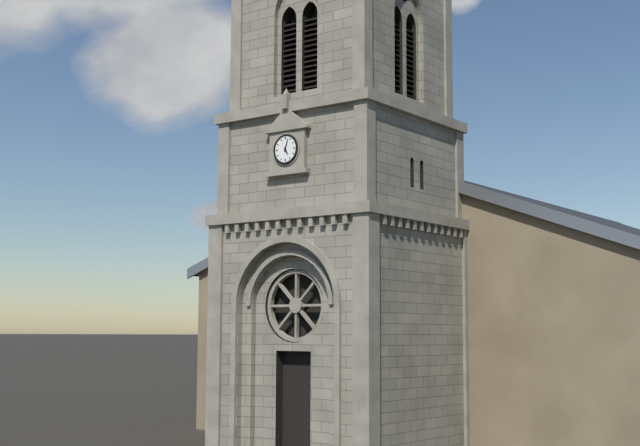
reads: 5,03
